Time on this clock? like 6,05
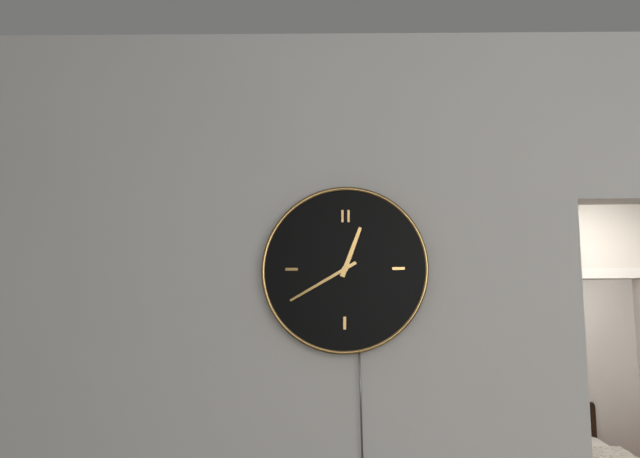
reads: 12,40
